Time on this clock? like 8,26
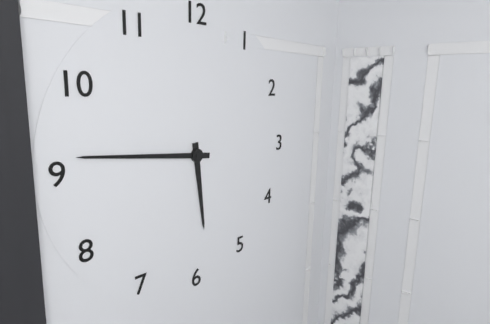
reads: 5,46
